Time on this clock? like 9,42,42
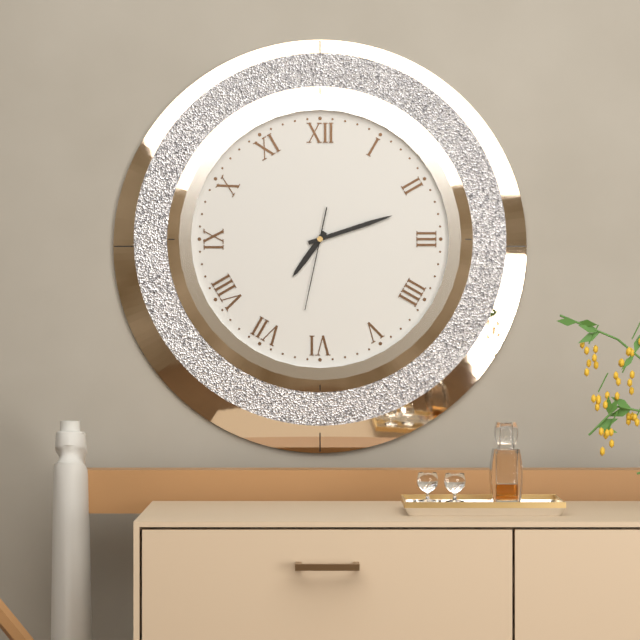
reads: 7,12,32
